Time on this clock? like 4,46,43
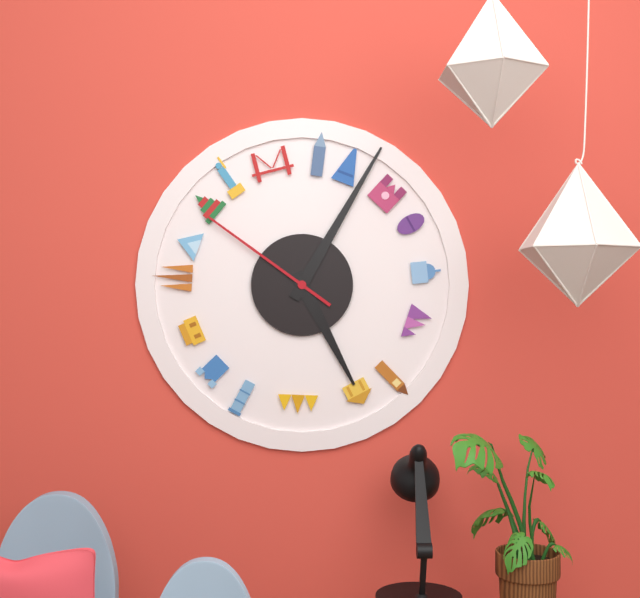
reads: 5,05,51
